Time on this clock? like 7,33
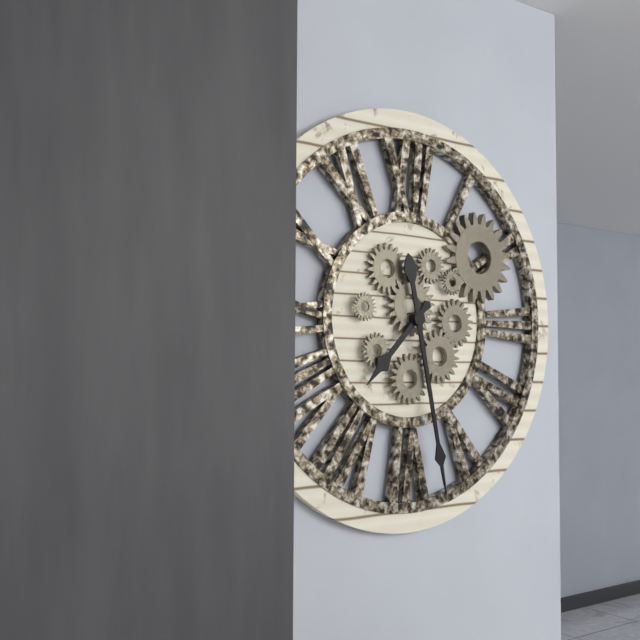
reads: 7,28
